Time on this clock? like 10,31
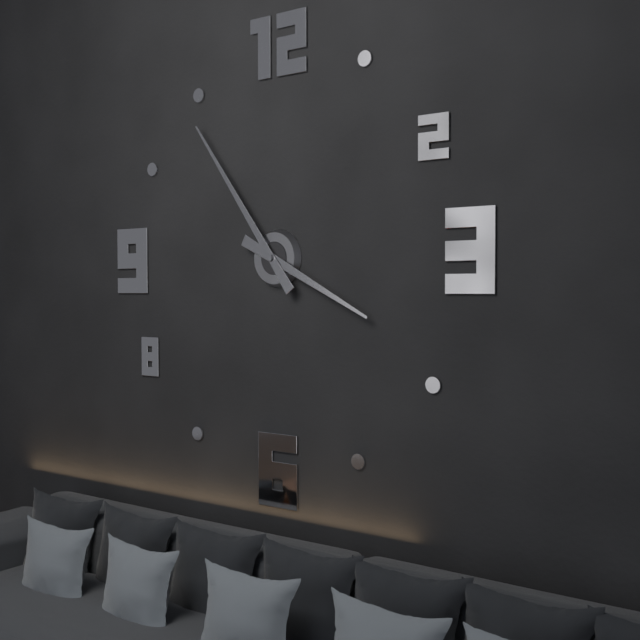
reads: 3,54
